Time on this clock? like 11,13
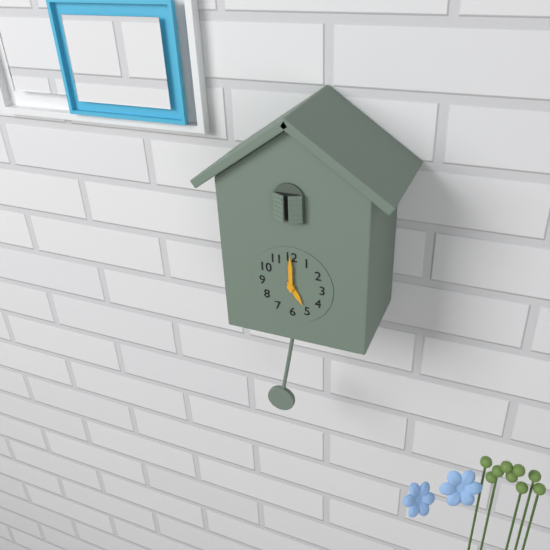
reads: 5,00
